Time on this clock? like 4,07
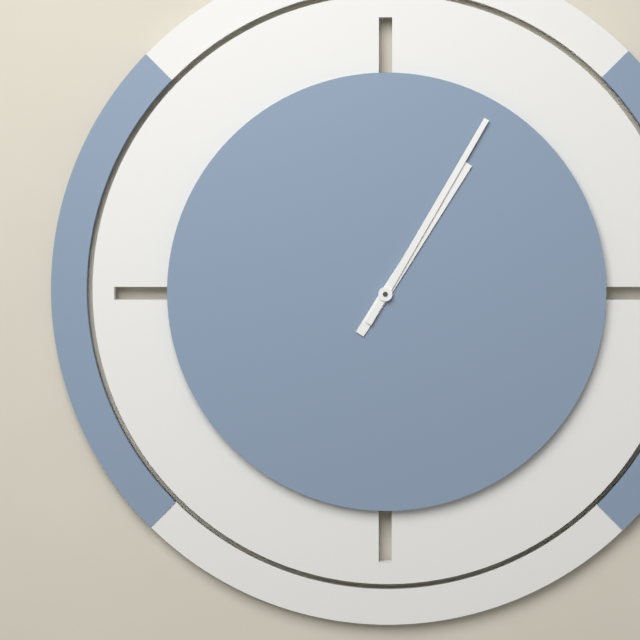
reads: 1,05
